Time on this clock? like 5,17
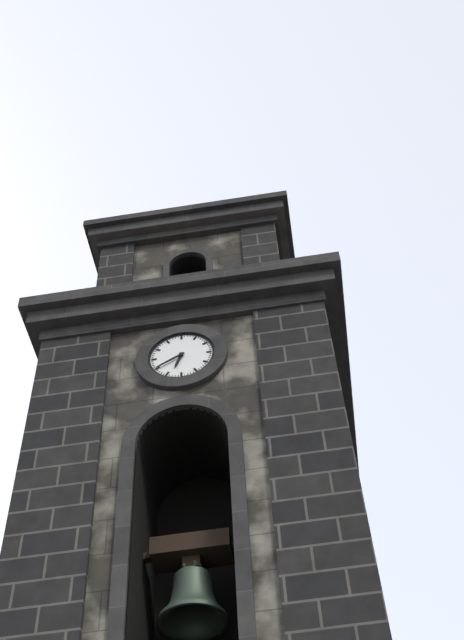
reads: 6,40
